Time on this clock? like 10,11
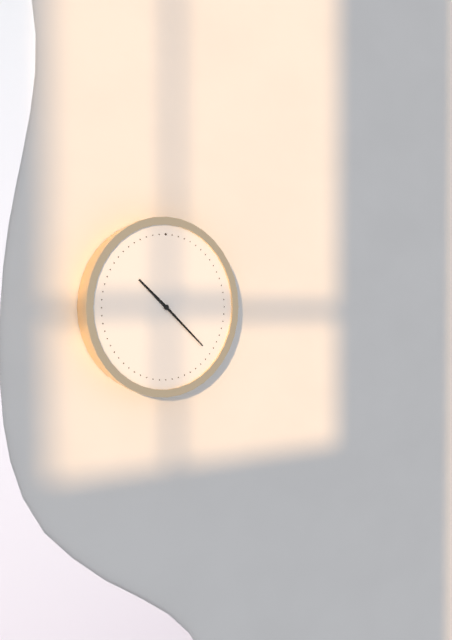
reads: 10,22
